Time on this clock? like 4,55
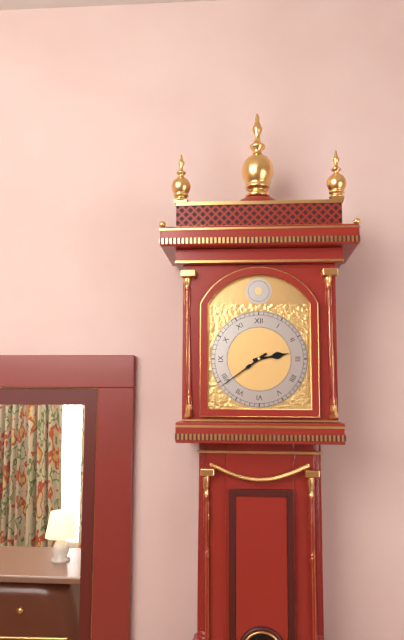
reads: 2,39
